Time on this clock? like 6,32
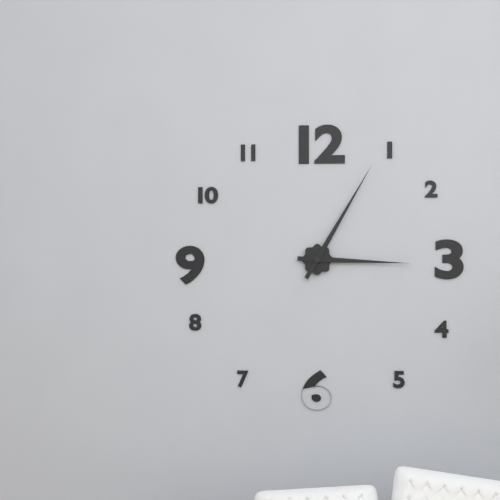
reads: 3,05
